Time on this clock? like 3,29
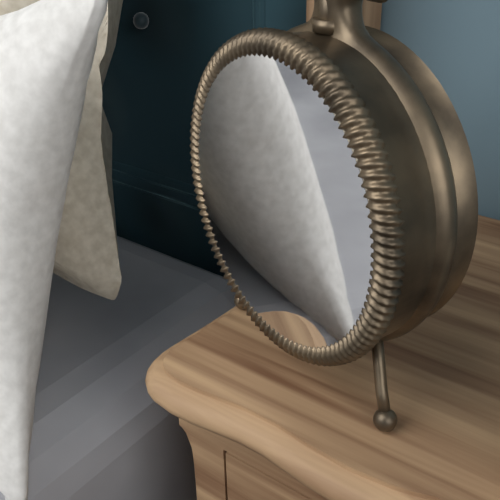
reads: 9,03
